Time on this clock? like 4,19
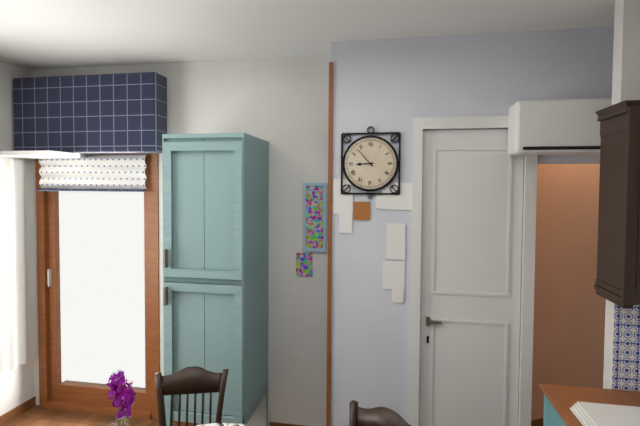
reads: 8,53
